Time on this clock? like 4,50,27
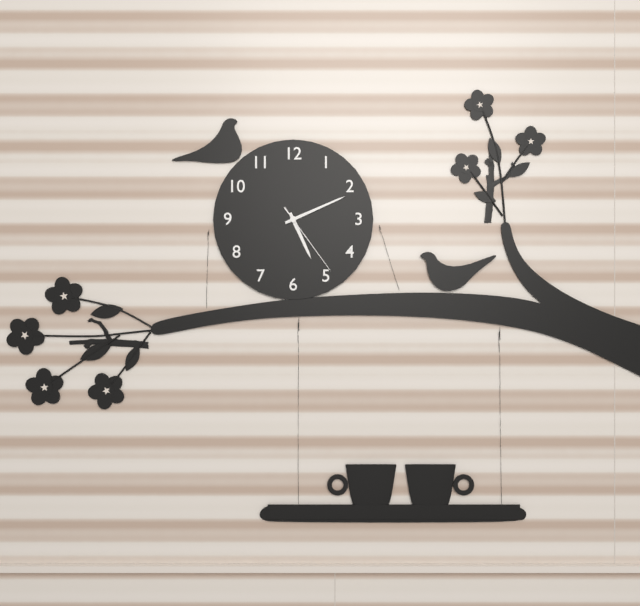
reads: 5,11,24
